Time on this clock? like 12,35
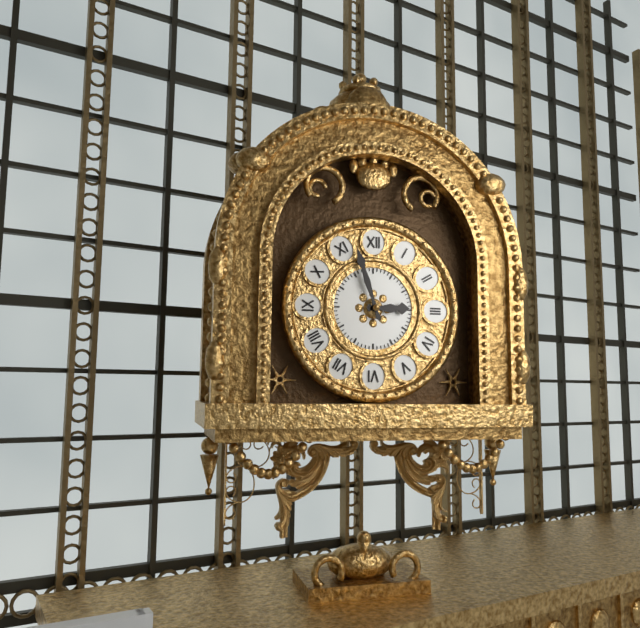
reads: 2,57
